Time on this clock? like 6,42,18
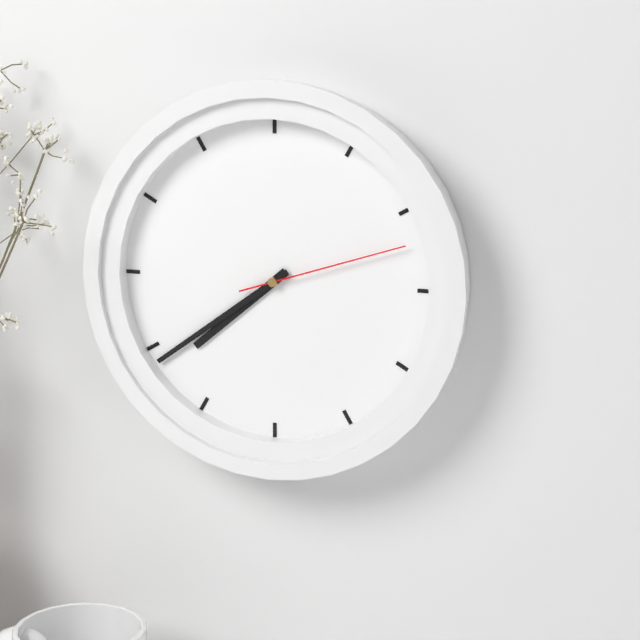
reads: 7,39,12
